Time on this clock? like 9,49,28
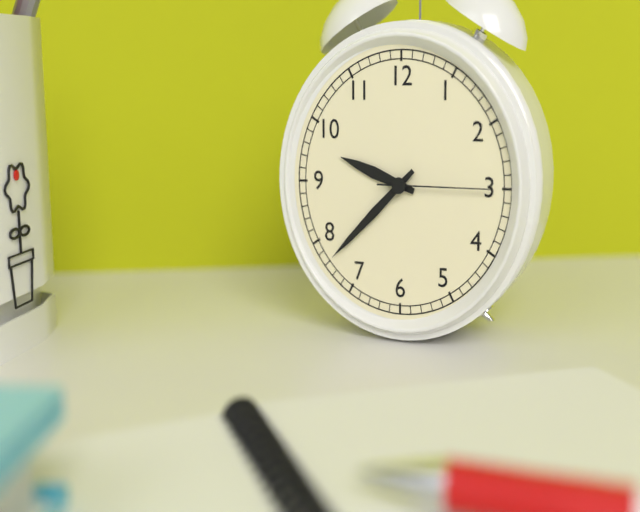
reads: 9,38,15
